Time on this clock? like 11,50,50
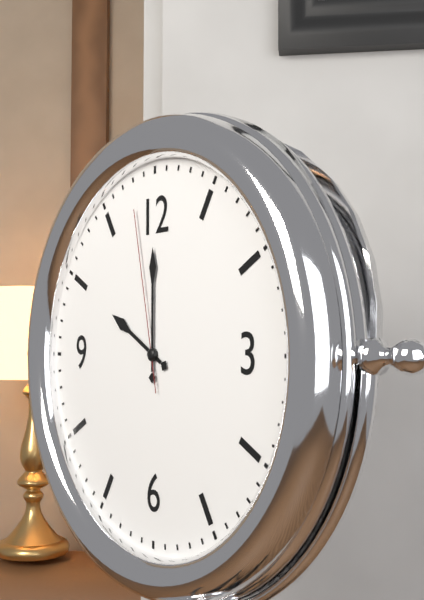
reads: 10,00,58
